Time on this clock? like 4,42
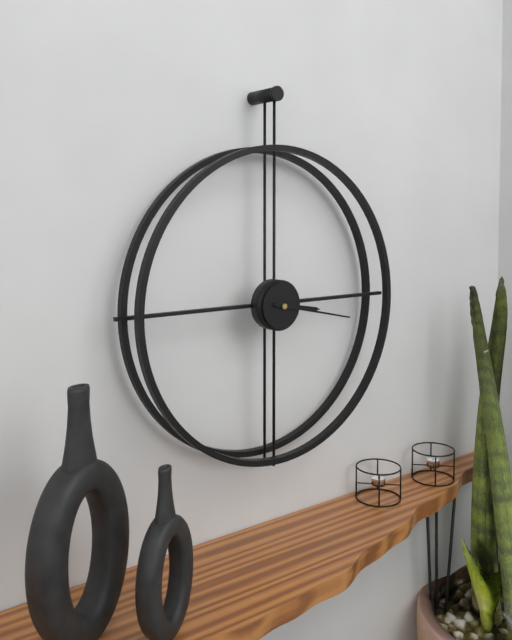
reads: 3,17
